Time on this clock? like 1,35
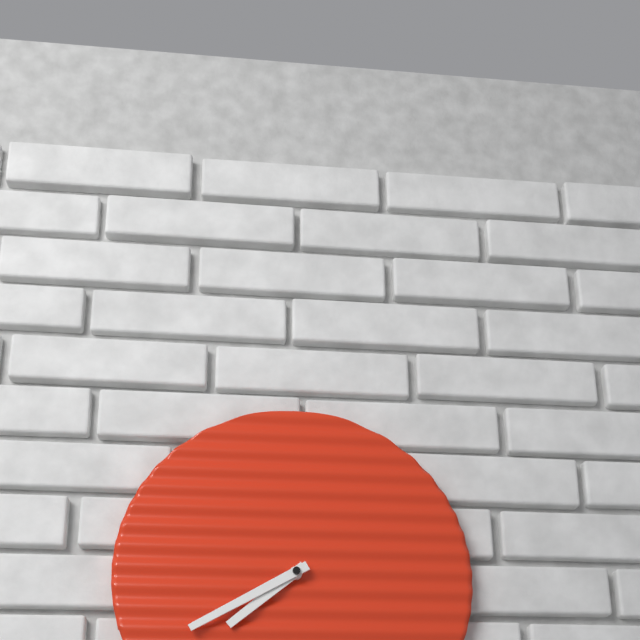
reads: 7,40
